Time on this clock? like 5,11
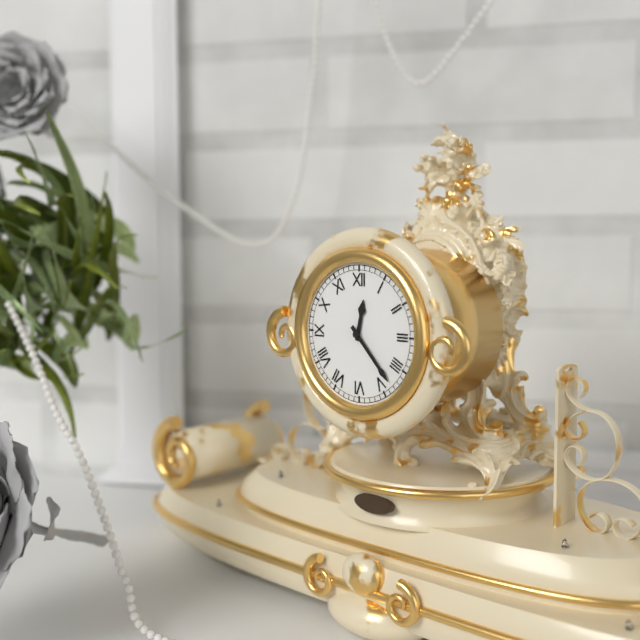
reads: 12,23
